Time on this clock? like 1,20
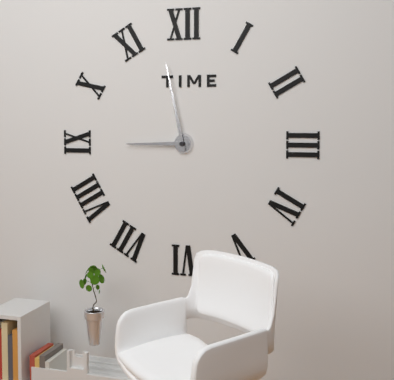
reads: 8,58
